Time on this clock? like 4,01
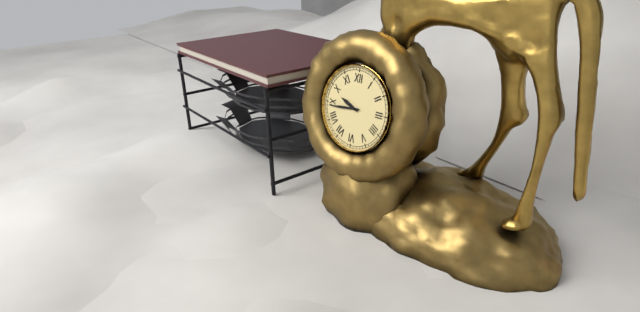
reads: 9,44
